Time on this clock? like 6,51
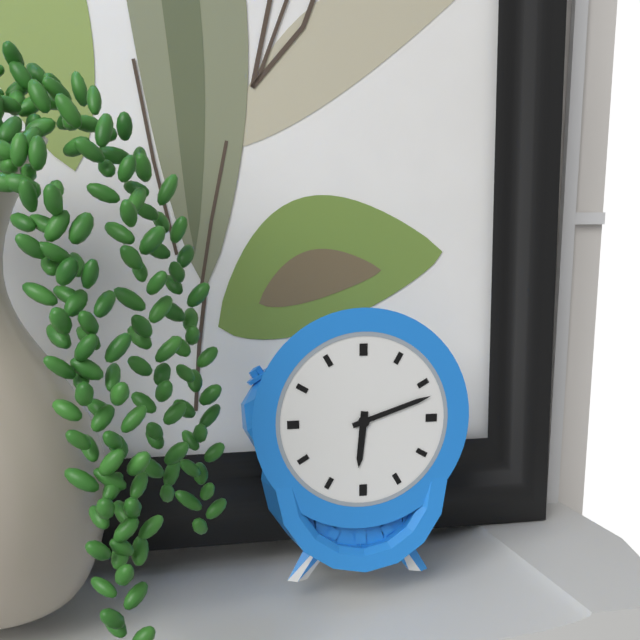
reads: 6,12
